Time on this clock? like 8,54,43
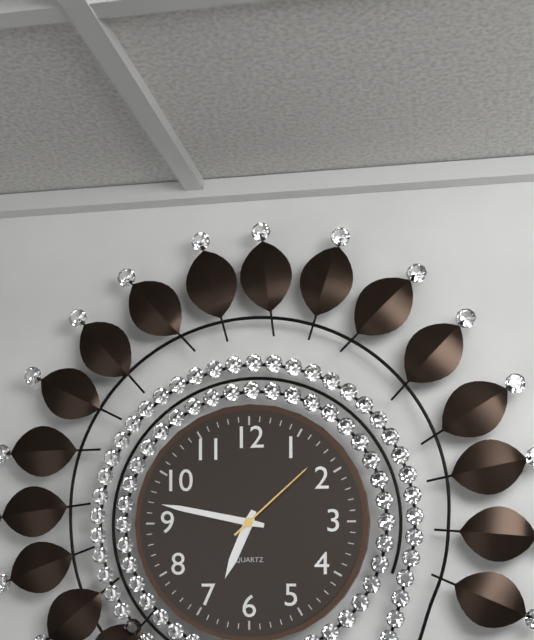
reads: 6,47,08
